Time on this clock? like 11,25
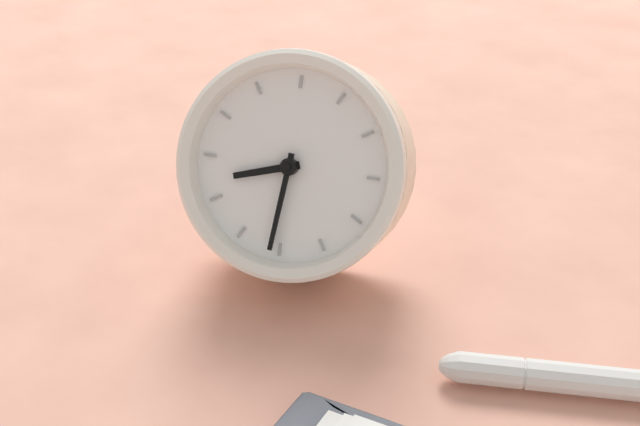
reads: 7,26
